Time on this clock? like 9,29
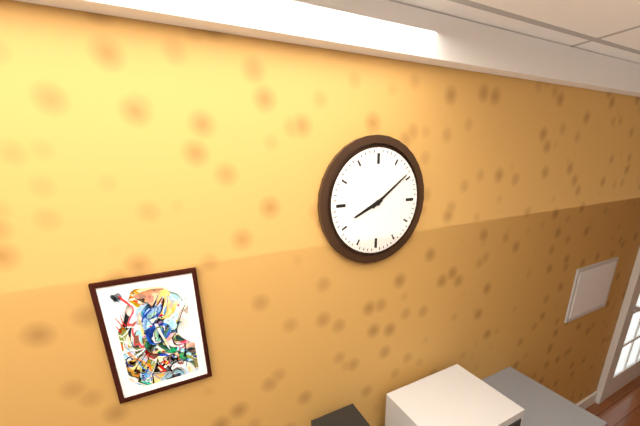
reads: 8,09
